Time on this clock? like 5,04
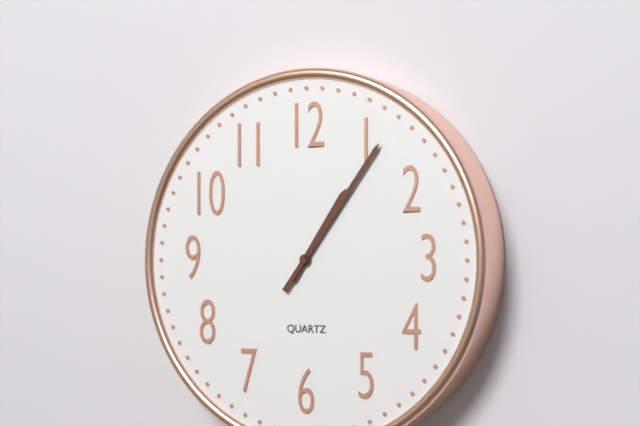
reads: 1,06
